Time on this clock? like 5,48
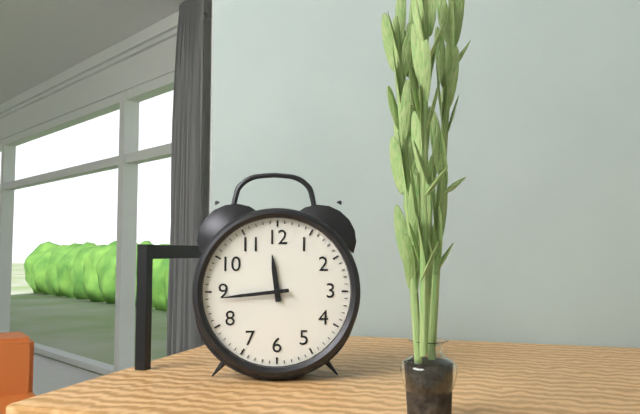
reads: 11,44
